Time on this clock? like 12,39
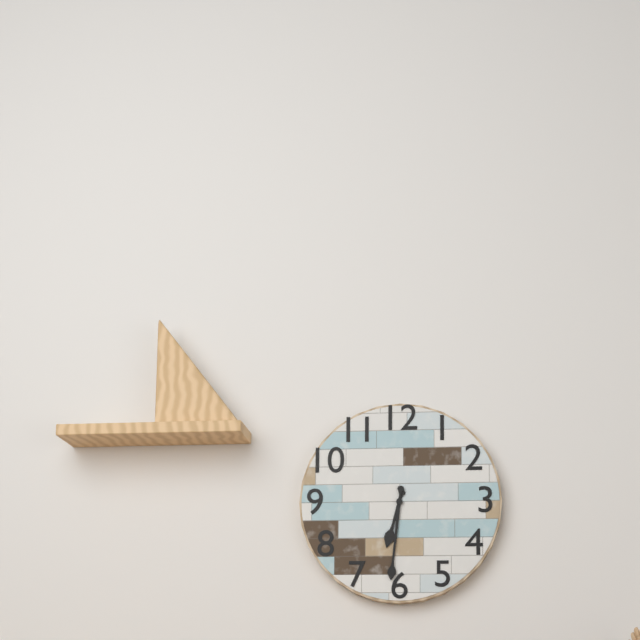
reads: 6,31
